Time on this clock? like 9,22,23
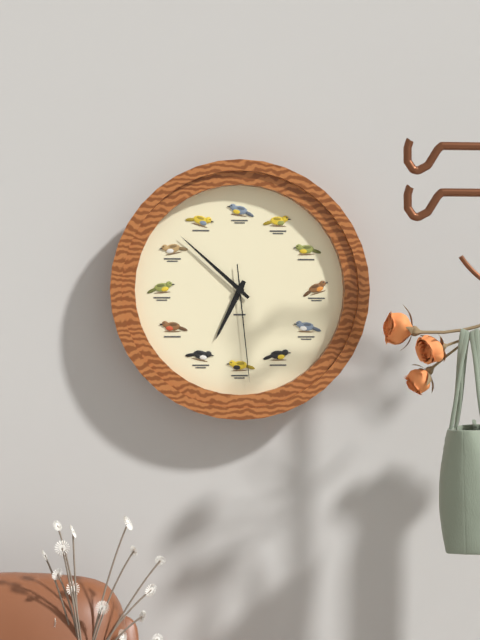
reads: 6,52,29
